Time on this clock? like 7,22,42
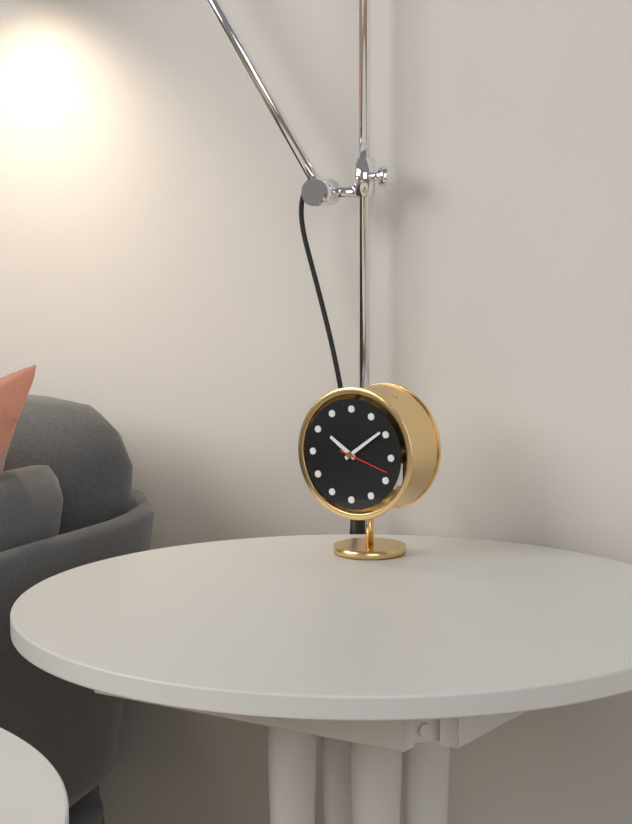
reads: 10,09,18
